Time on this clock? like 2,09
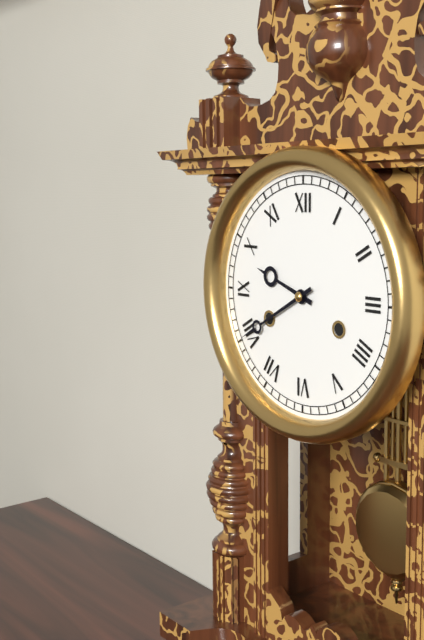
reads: 9,40
